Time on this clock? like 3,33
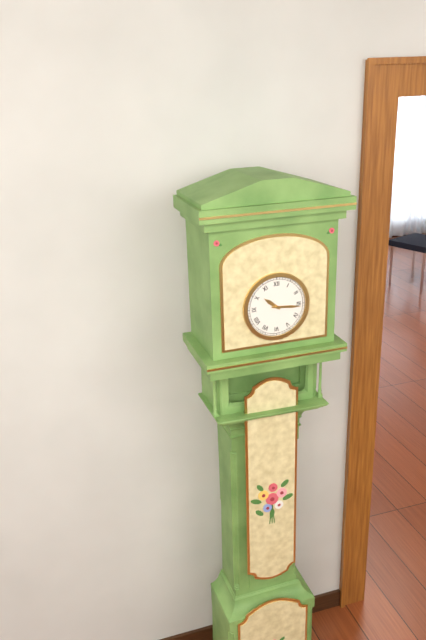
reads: 10,16
